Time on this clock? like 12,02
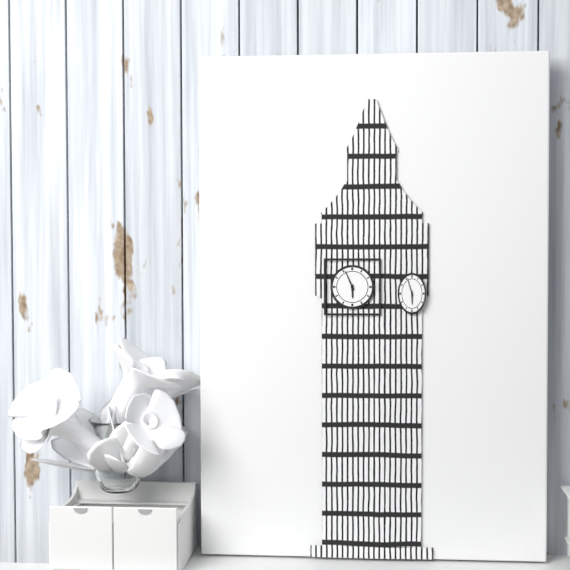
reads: 5,56
